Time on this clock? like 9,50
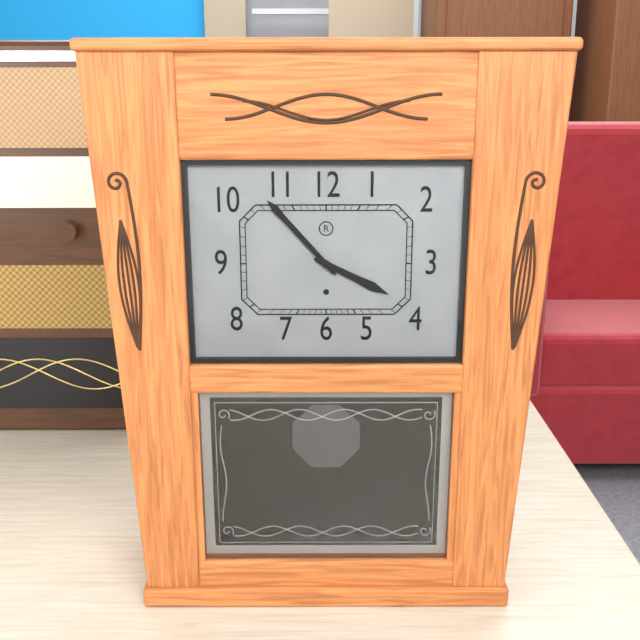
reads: 3,53
